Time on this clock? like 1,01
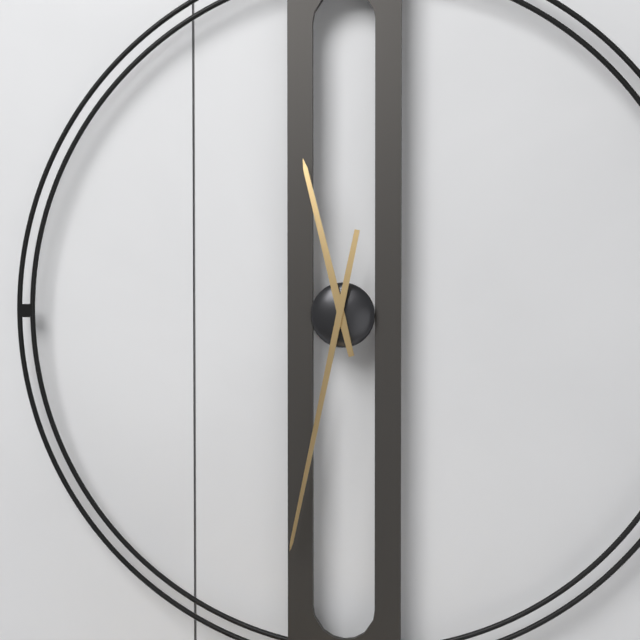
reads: 11,32
